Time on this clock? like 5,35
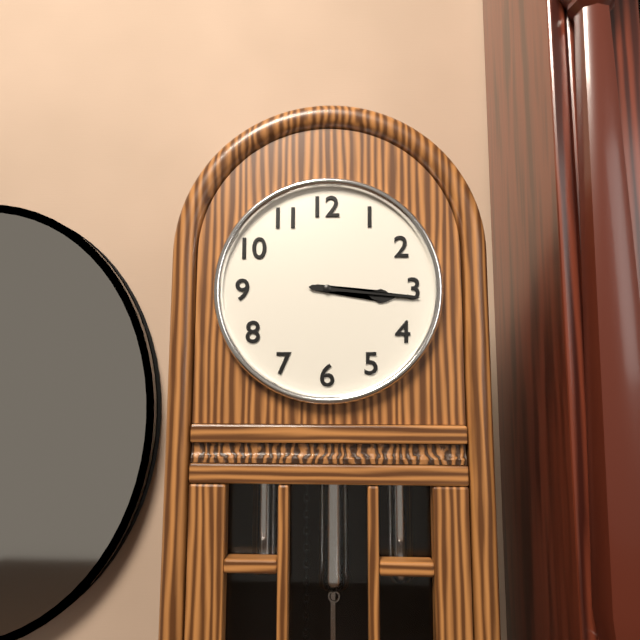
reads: 3,16
